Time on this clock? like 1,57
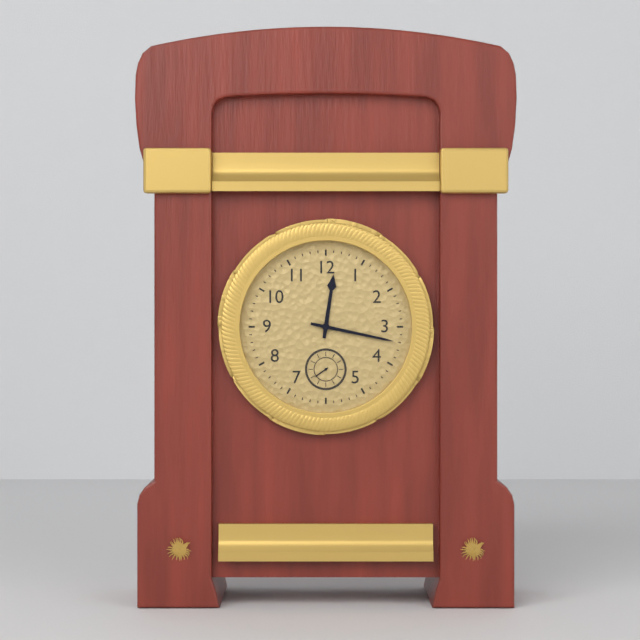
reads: 12,17
